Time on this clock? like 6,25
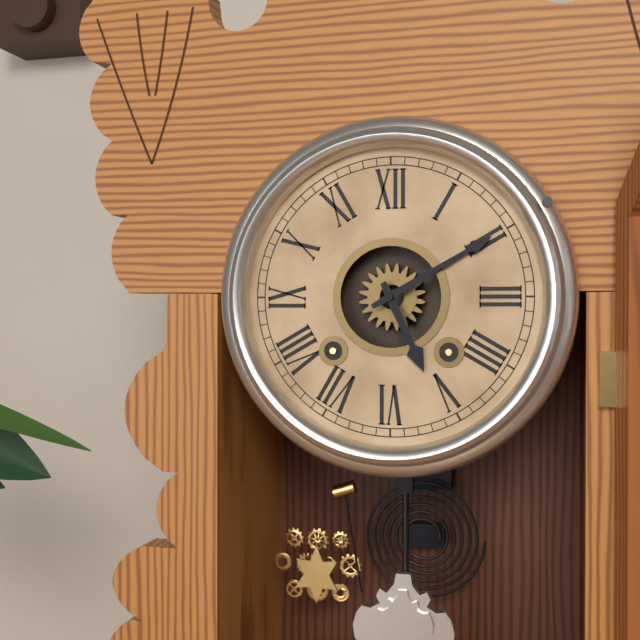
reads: 5,10
